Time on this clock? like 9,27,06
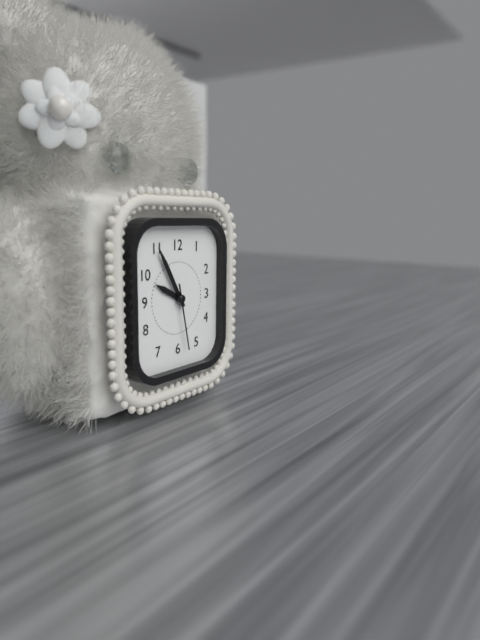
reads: 9,55,28
